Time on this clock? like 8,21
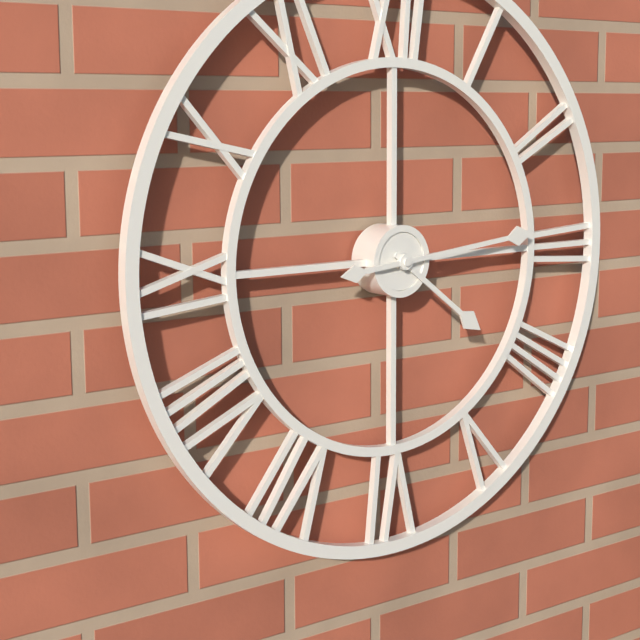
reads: 4,14
